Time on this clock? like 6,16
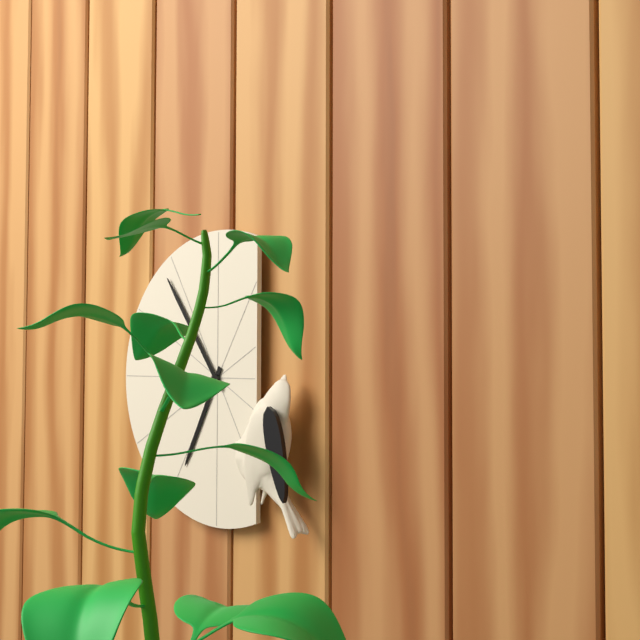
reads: 6,54
